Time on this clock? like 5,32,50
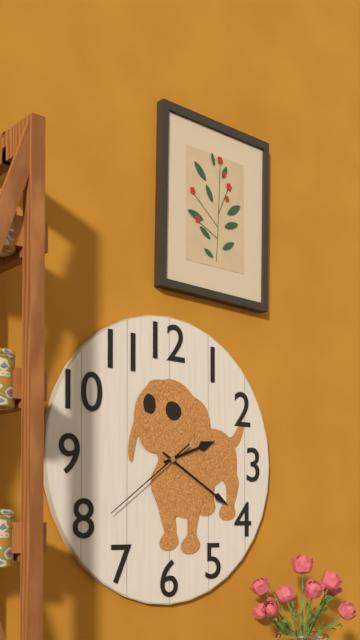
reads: 2,20,39
